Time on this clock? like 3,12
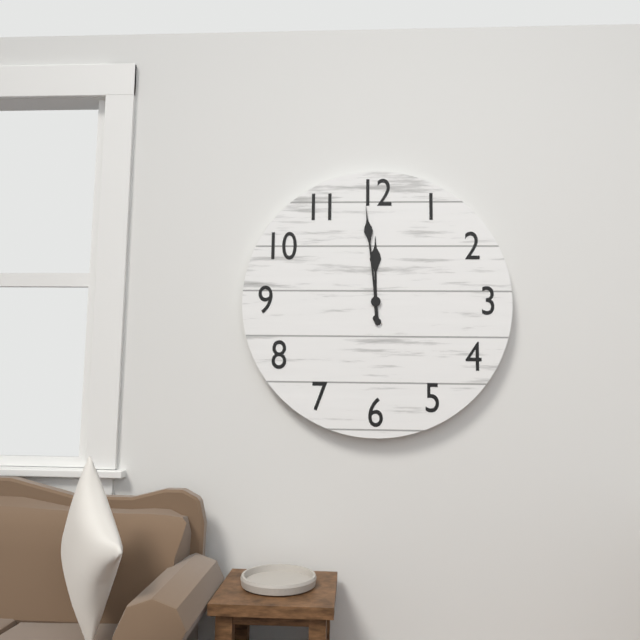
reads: 11,59
